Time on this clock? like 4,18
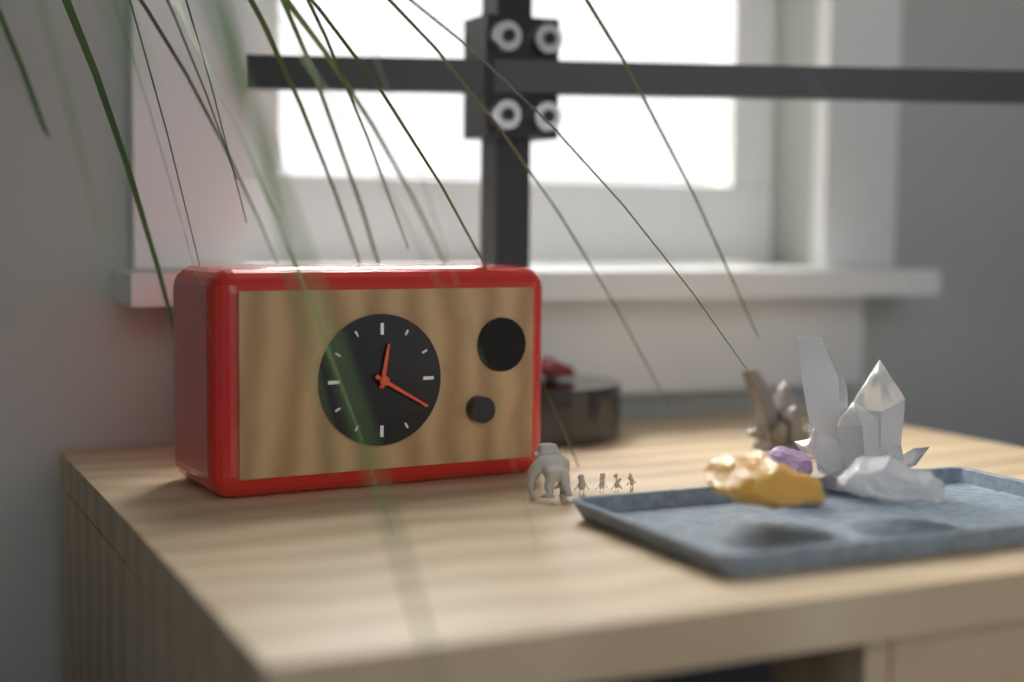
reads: 12,20
